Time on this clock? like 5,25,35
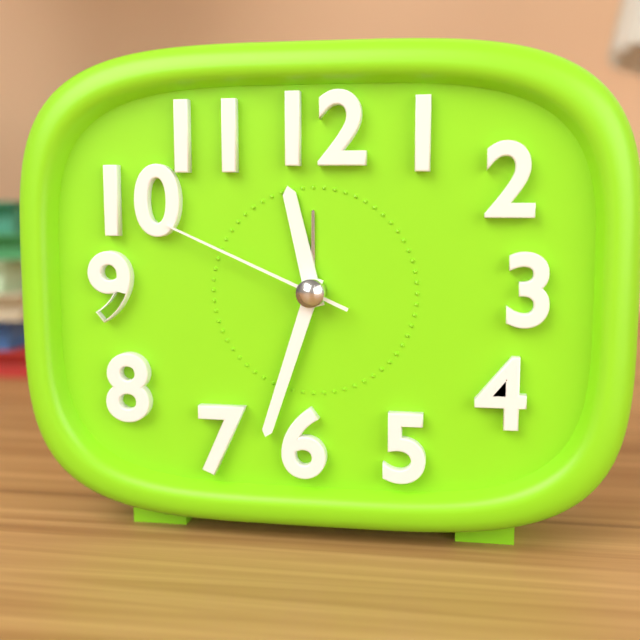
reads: 11,33,49
